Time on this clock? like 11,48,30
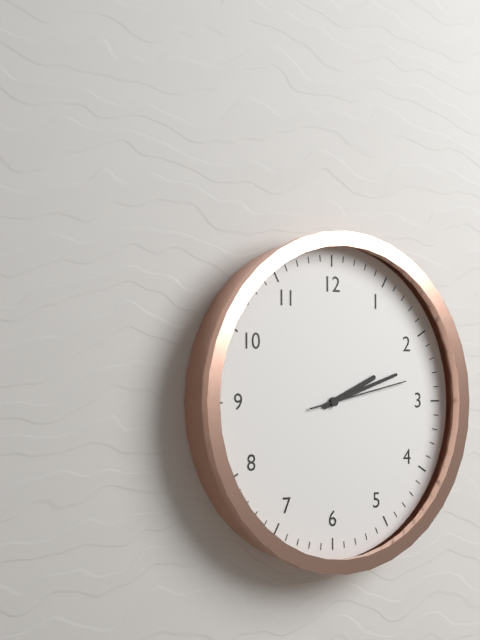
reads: 2,12,13
